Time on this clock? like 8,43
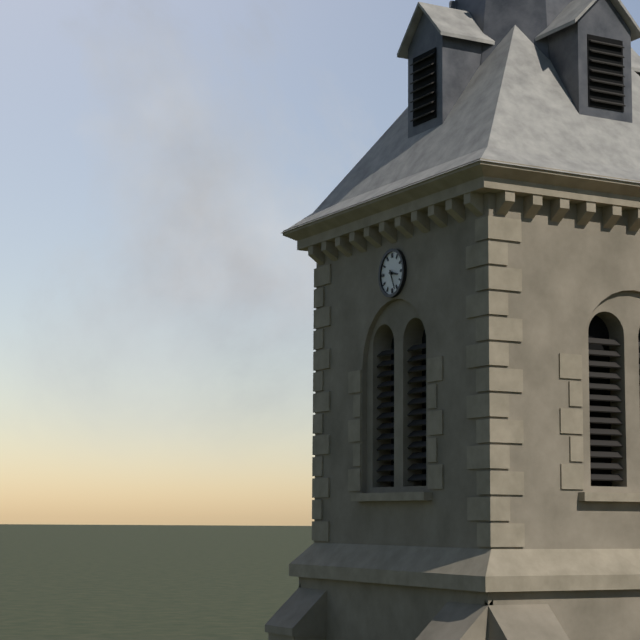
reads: 3,26
